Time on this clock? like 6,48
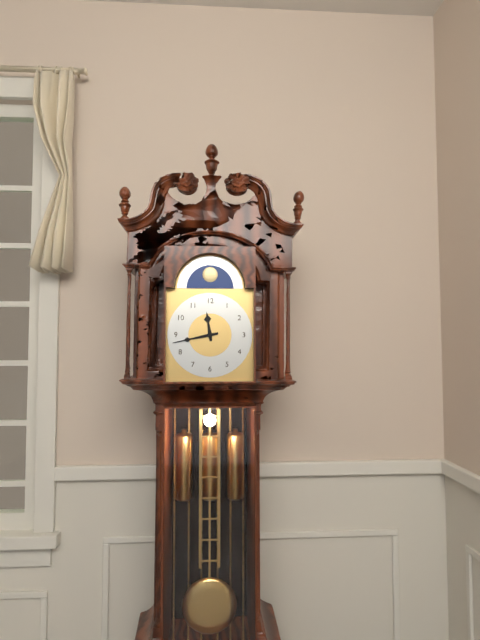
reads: 11,43
